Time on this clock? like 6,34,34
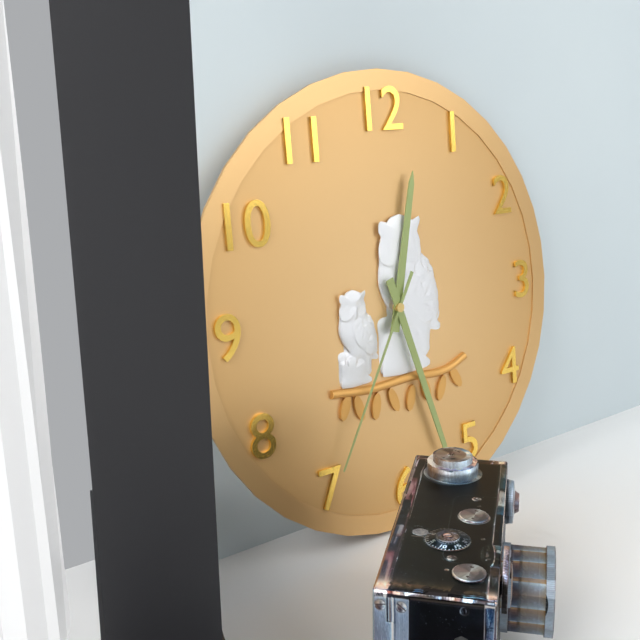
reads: 12,27,35
